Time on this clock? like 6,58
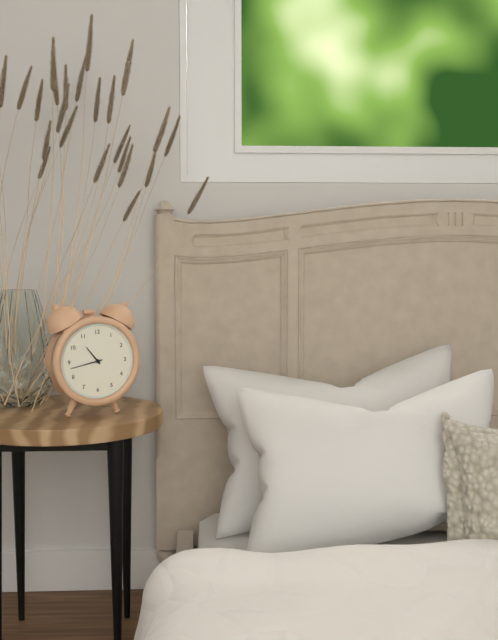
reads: 10,43
